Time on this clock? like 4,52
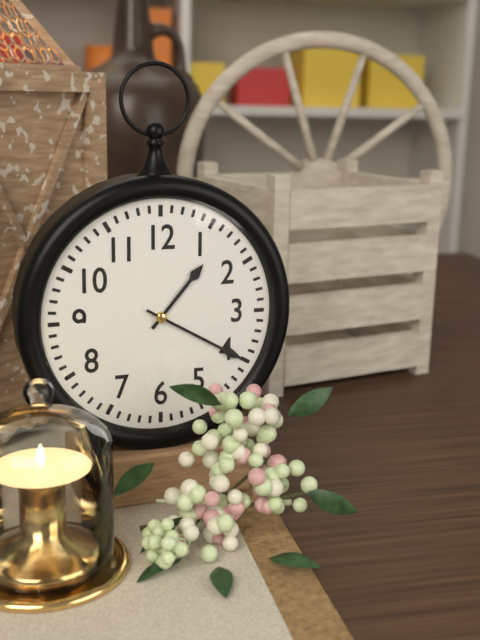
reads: 1,20
